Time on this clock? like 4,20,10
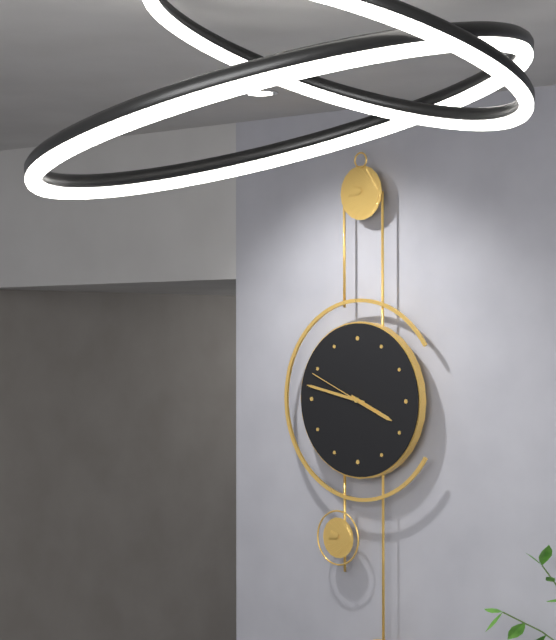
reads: 3,47,49
